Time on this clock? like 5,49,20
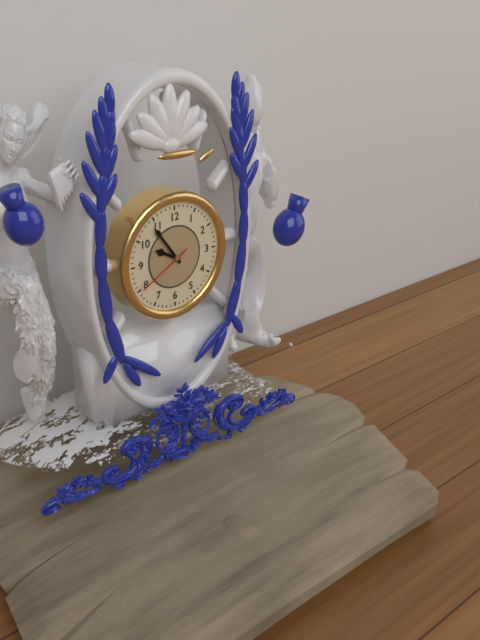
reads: 9,54,40
